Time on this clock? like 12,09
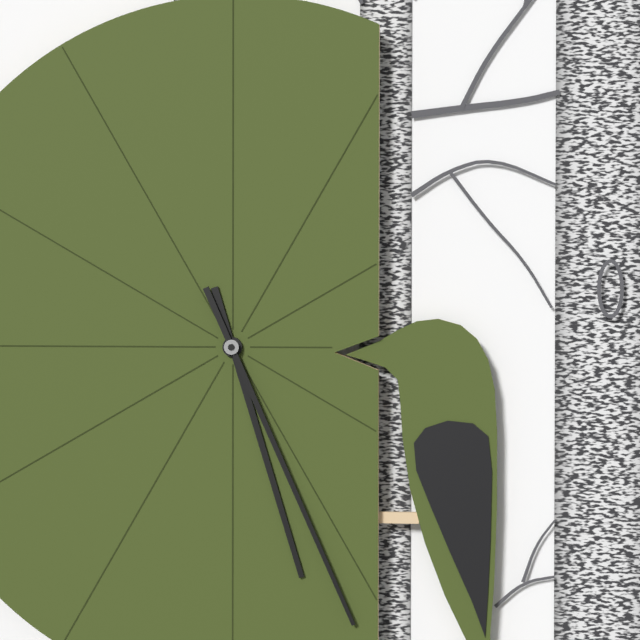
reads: 5,26
